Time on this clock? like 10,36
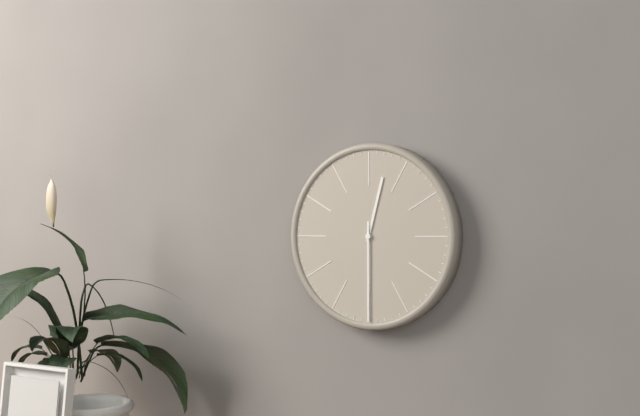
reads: 12,30
